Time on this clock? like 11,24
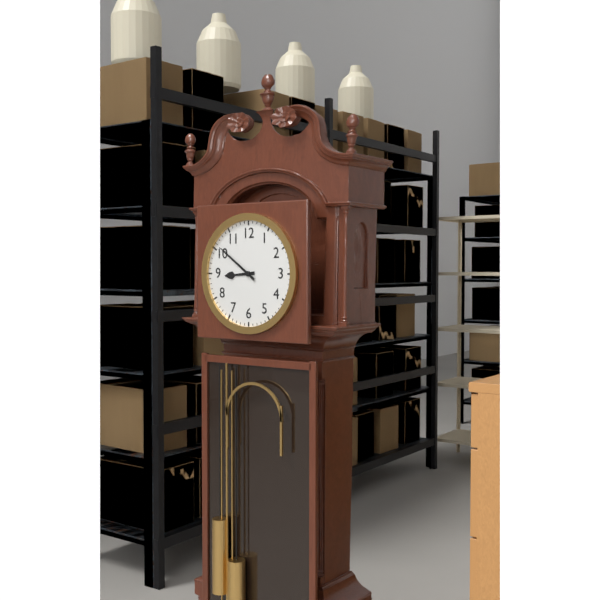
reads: 8,51
